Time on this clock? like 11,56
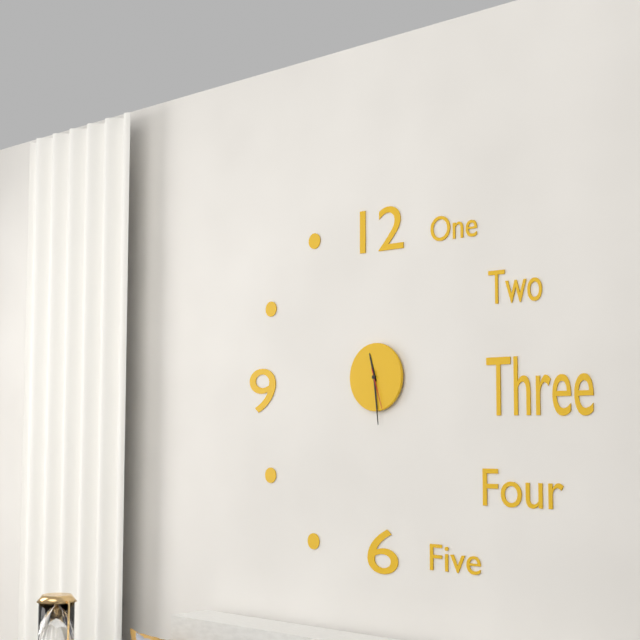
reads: 11,29
